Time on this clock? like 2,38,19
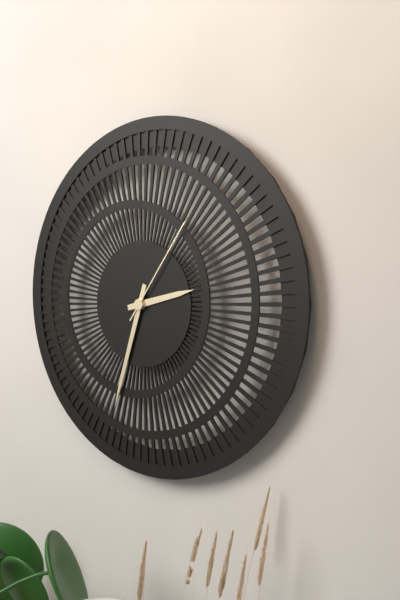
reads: 2,33,06
